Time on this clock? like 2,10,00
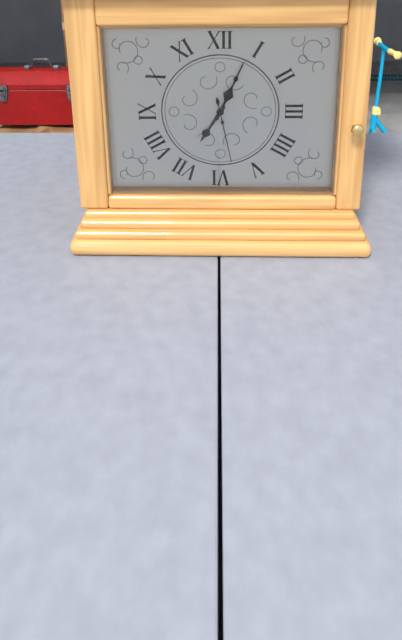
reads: 7,04,28
